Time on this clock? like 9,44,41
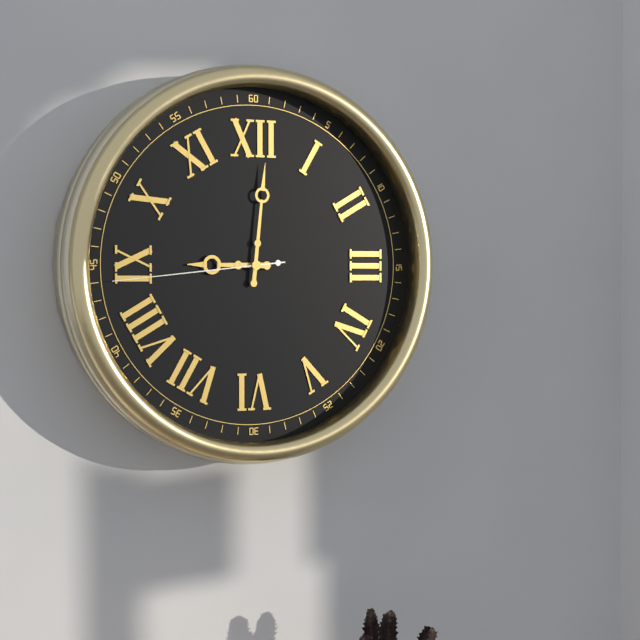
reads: 9,01,44
